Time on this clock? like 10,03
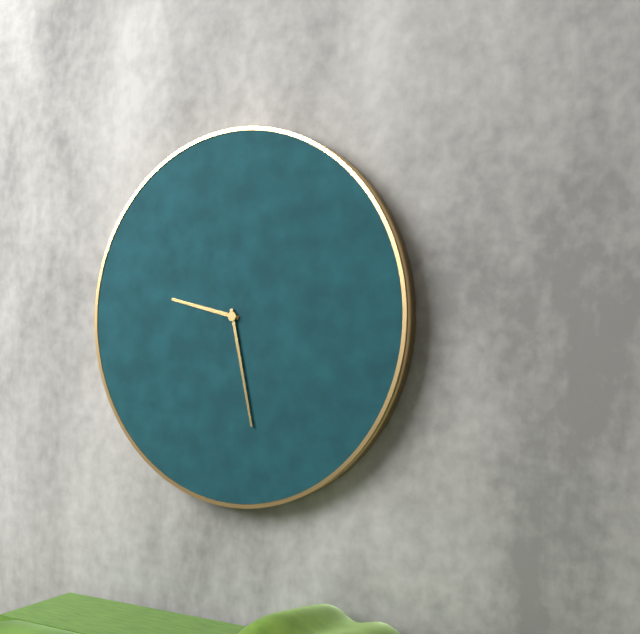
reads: 9,28
